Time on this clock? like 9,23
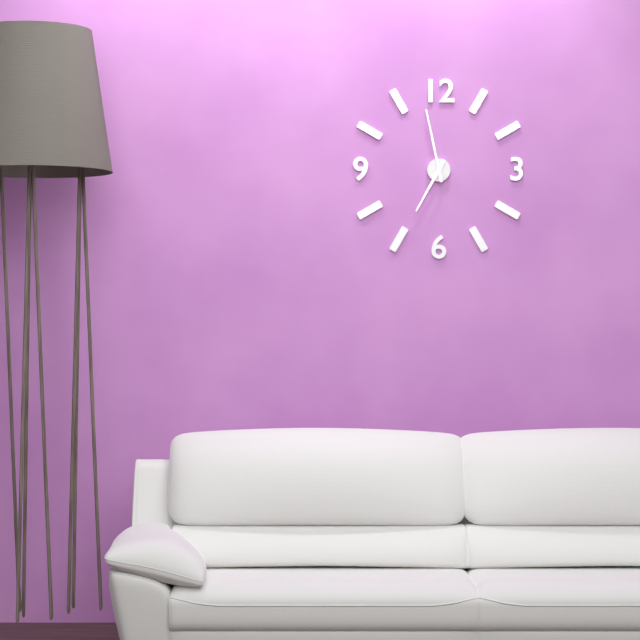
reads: 6,58
